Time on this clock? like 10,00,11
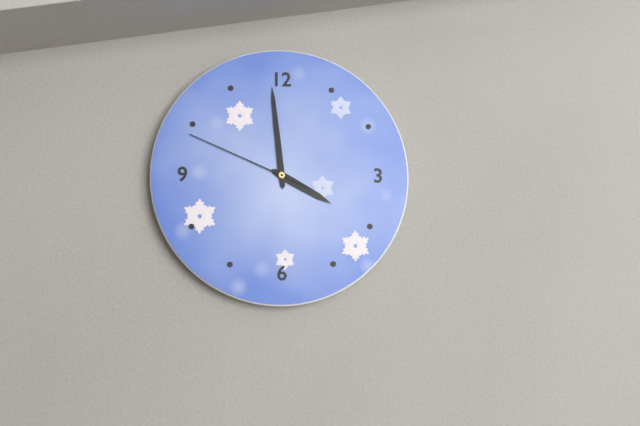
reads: 3,59,49
